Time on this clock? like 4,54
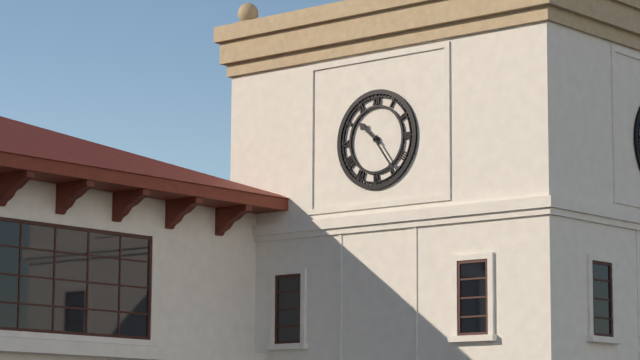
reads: 10,24
